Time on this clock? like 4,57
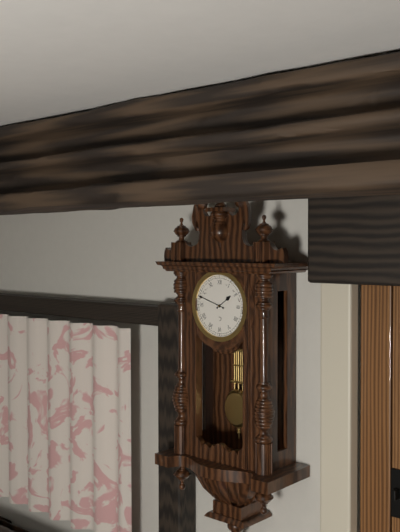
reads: 1,48
